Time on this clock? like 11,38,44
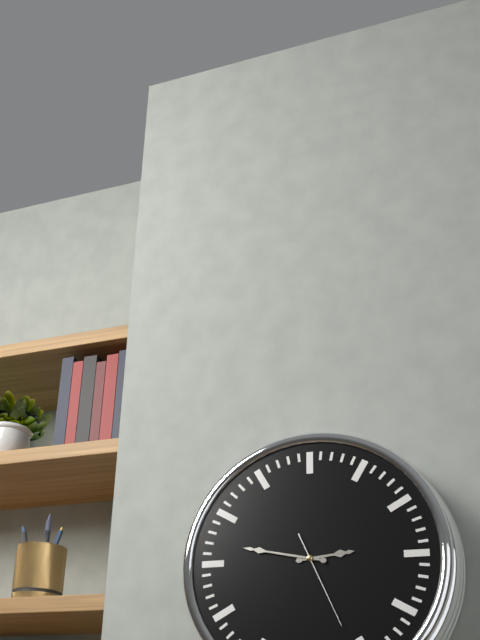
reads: 2,47,26
